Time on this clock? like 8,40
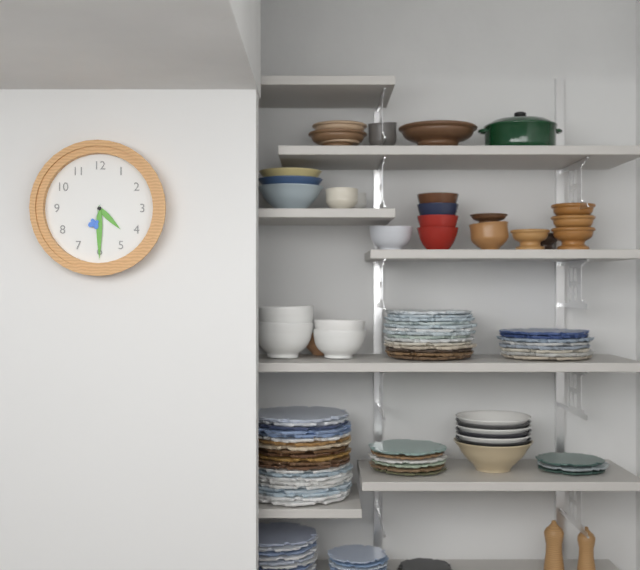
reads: 4,30
